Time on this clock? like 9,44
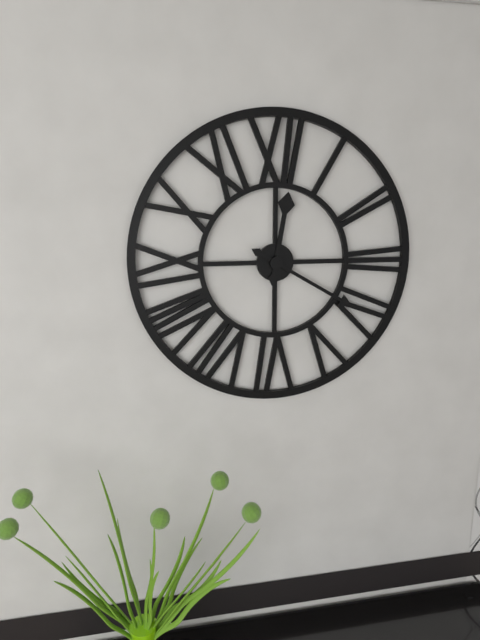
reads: 12,20
